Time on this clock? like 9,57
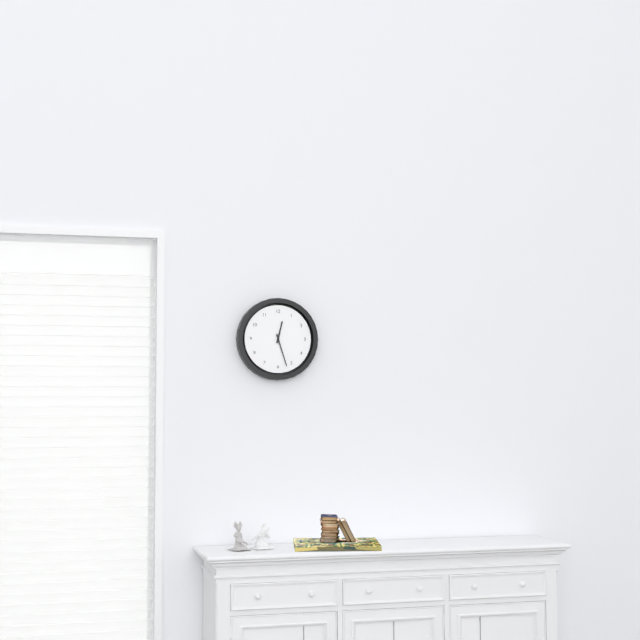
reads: 12,27
